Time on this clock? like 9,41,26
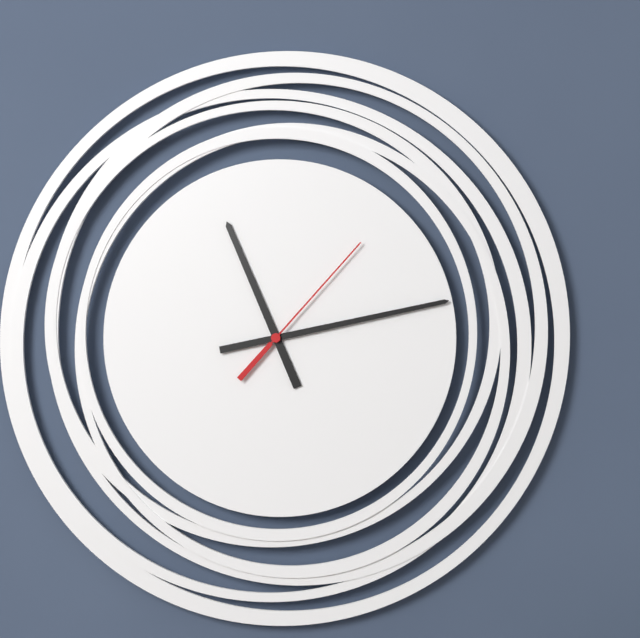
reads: 11,13,07
